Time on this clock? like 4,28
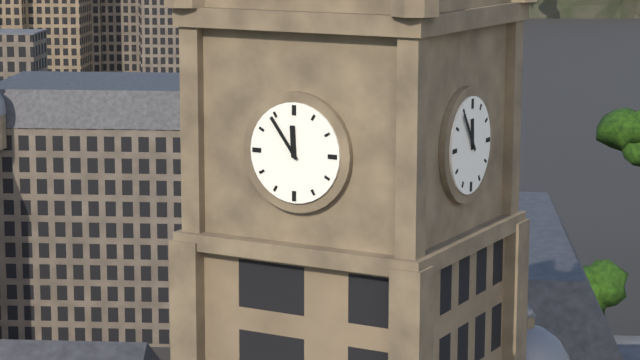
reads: 11,54
